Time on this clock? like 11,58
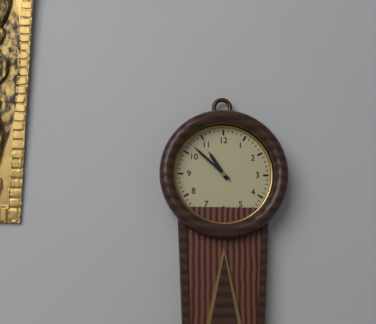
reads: 10,52
